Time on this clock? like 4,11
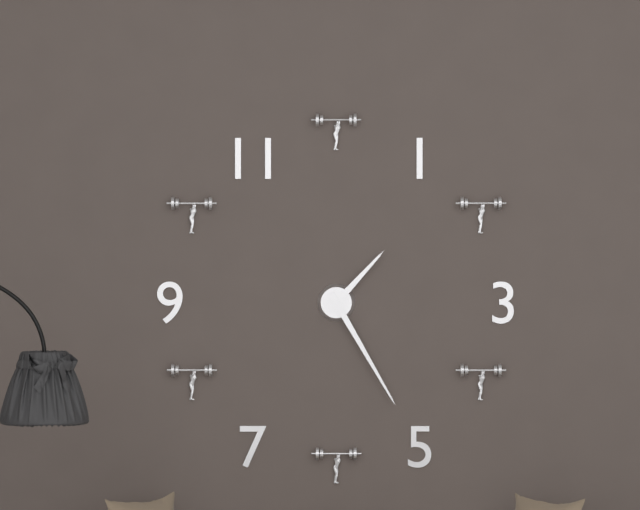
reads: 1,25
